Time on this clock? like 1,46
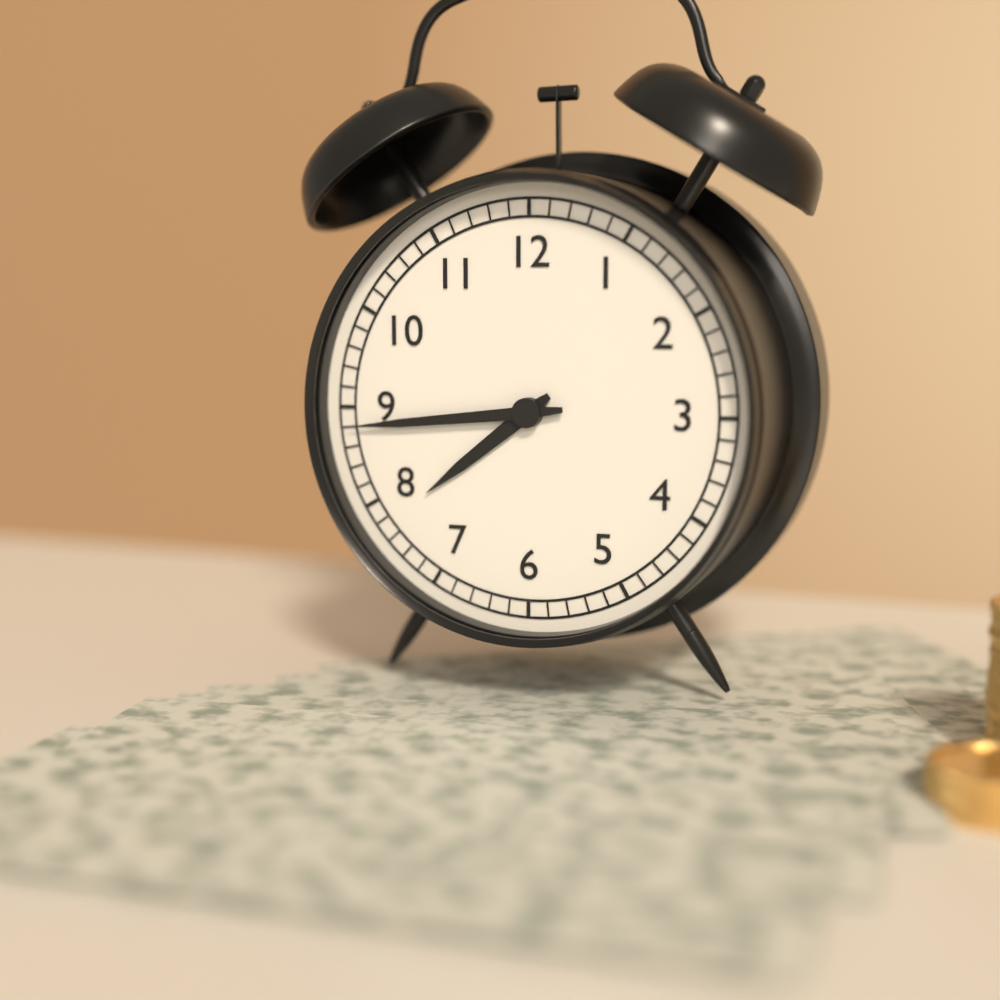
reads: 7,44
